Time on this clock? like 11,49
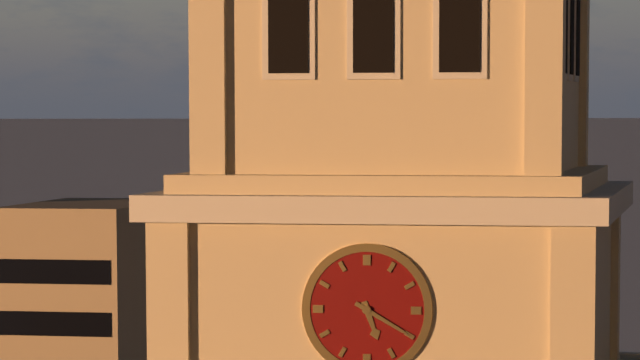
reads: 5,20
